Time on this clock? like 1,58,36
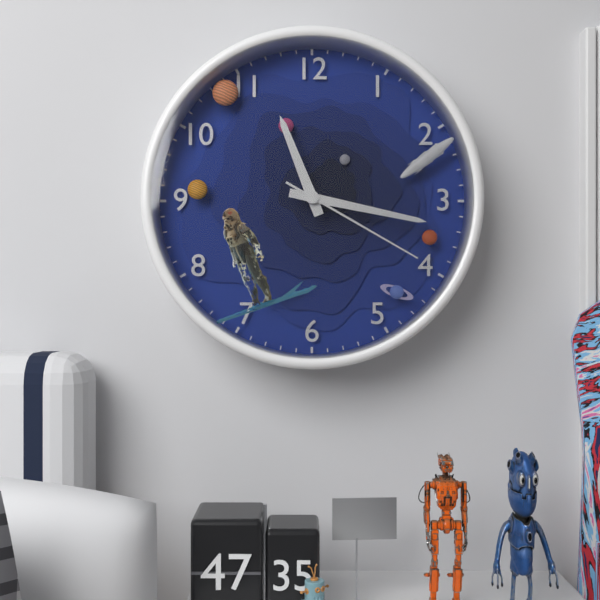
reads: 11,17,20
